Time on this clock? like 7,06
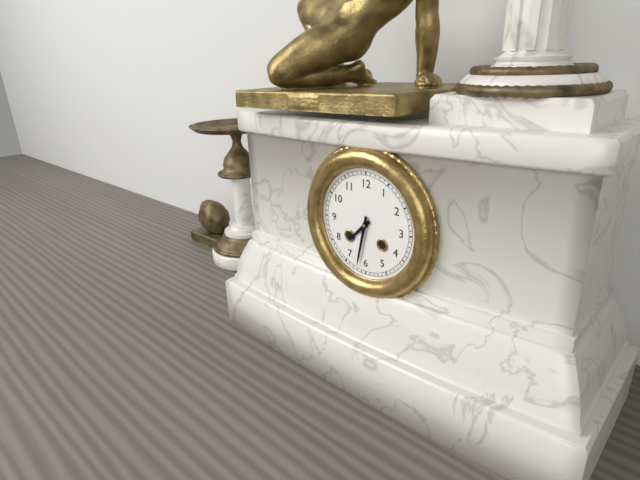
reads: 7,32
